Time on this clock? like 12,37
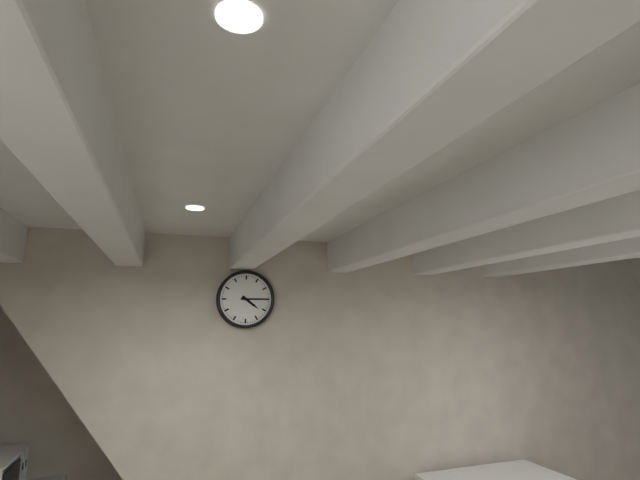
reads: 4,15
